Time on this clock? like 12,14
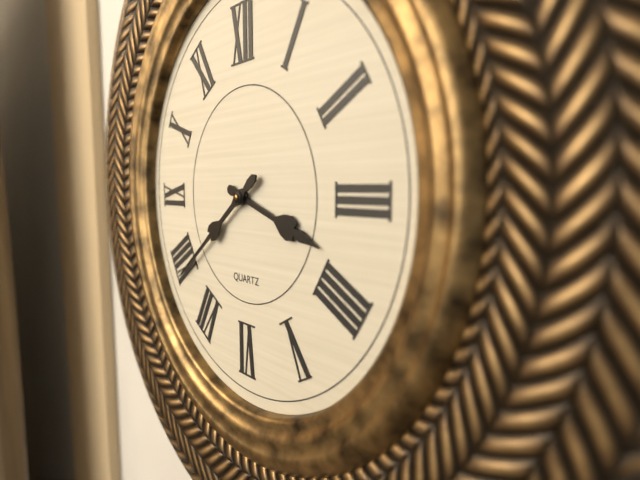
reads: 3,39
